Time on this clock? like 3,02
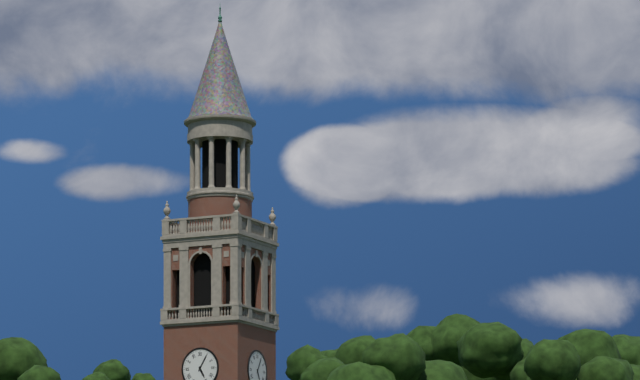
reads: 5,05
